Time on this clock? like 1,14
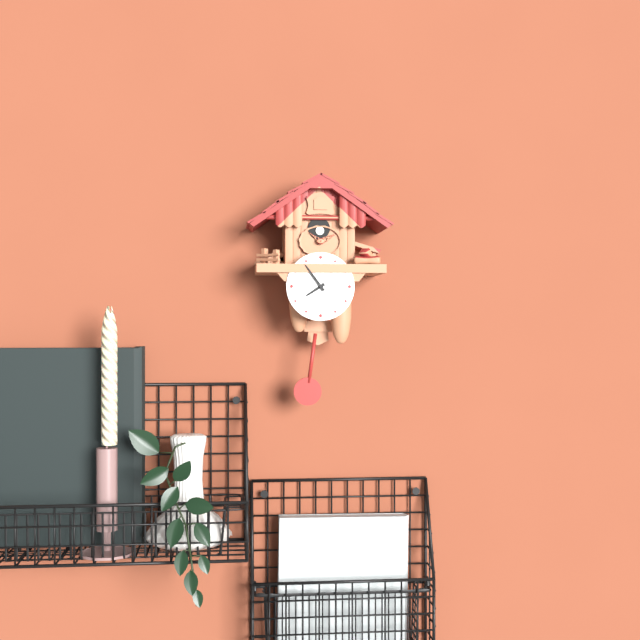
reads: 7,54
